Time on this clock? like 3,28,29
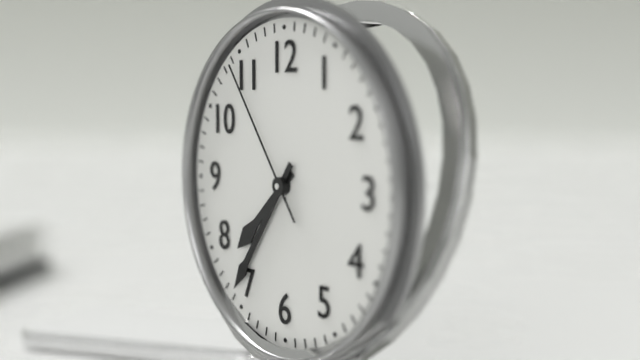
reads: 7,36,54
